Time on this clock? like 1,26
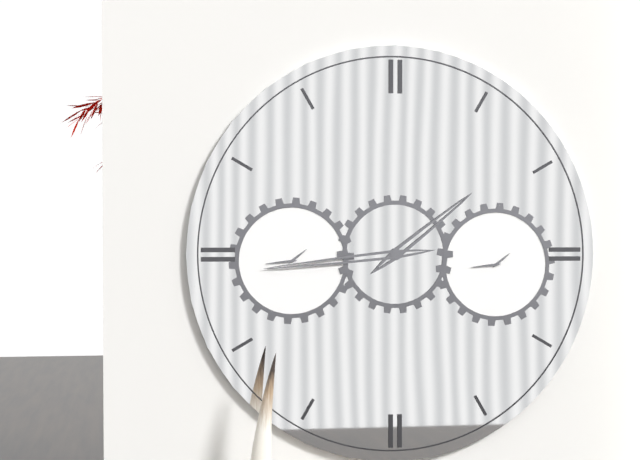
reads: 1,44
